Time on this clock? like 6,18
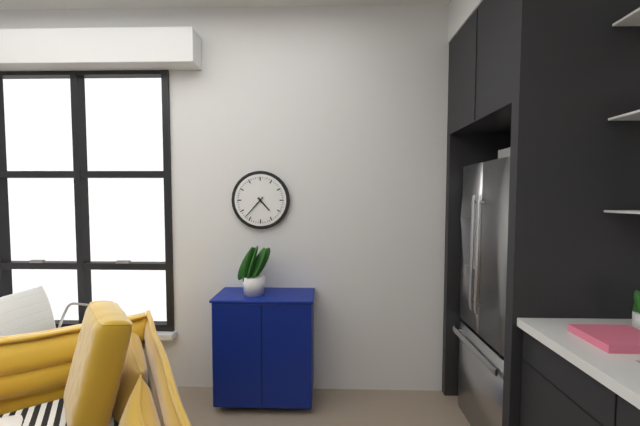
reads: 4,37
